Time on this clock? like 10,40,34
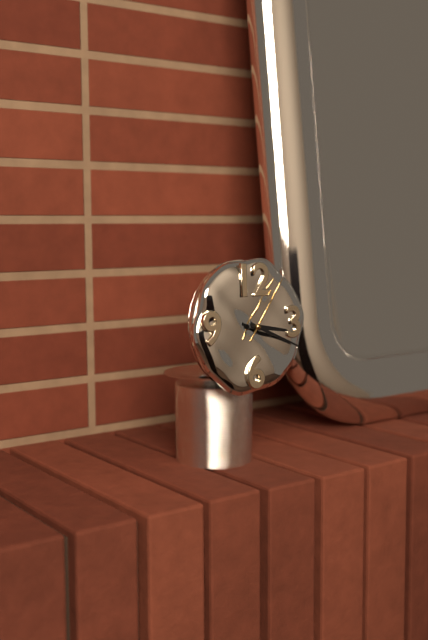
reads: 3,19,06
